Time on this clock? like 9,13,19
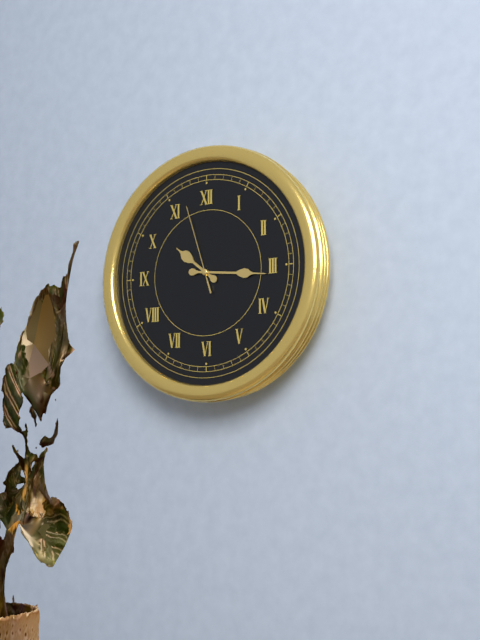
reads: 10,16,57
